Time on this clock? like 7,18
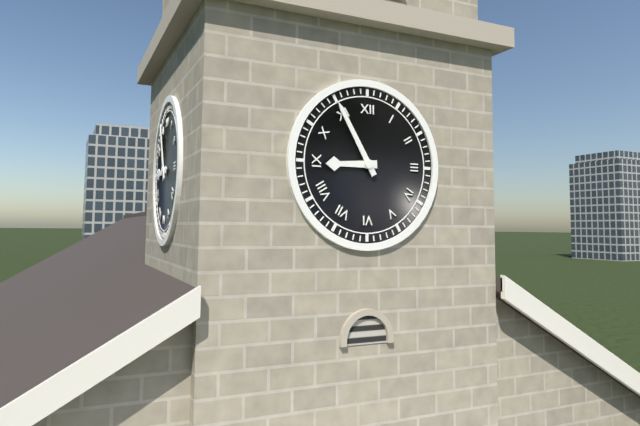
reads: 8,55
